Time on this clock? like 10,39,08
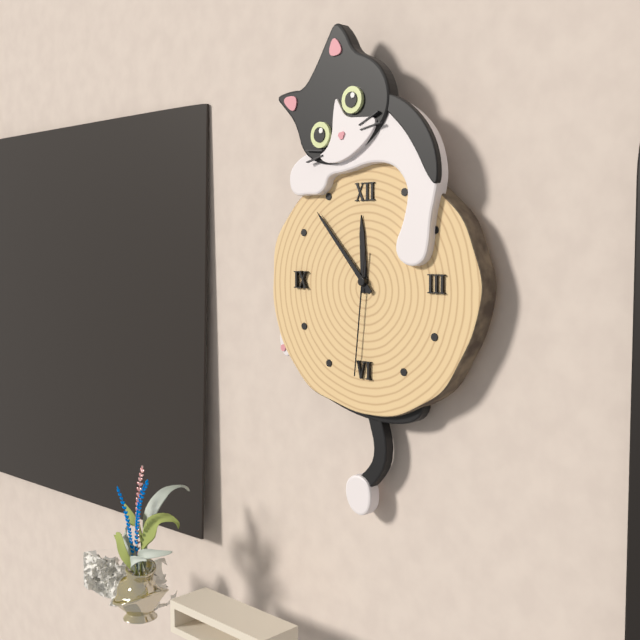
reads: 11,53,31
